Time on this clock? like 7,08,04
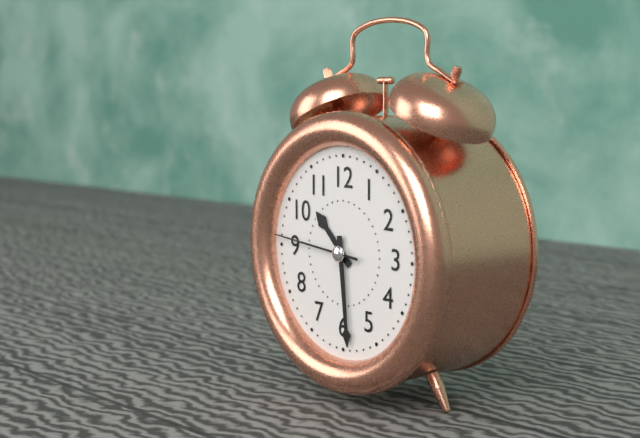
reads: 10,29,46
